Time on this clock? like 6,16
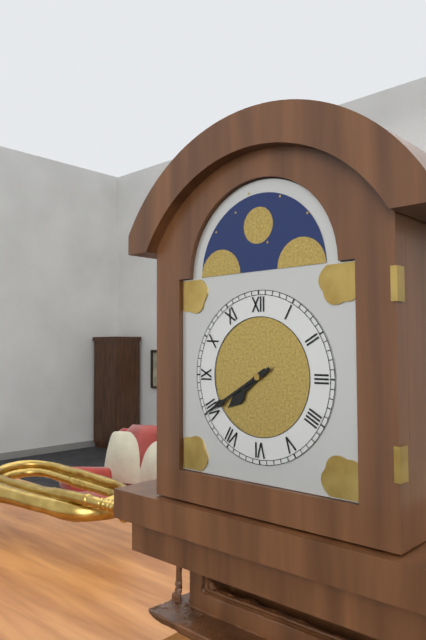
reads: 7,40
